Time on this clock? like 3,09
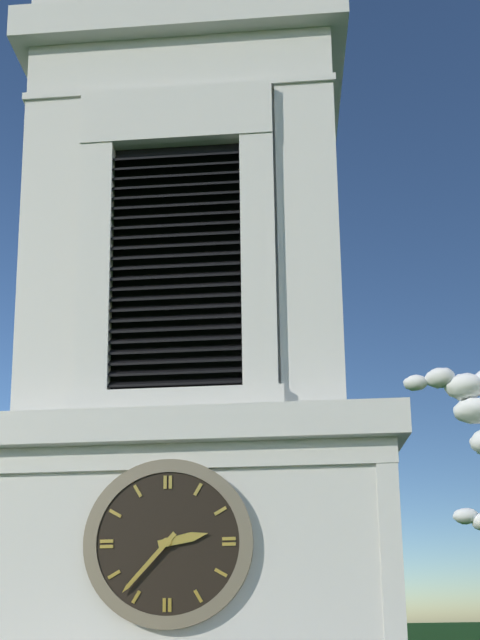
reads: 2,37
